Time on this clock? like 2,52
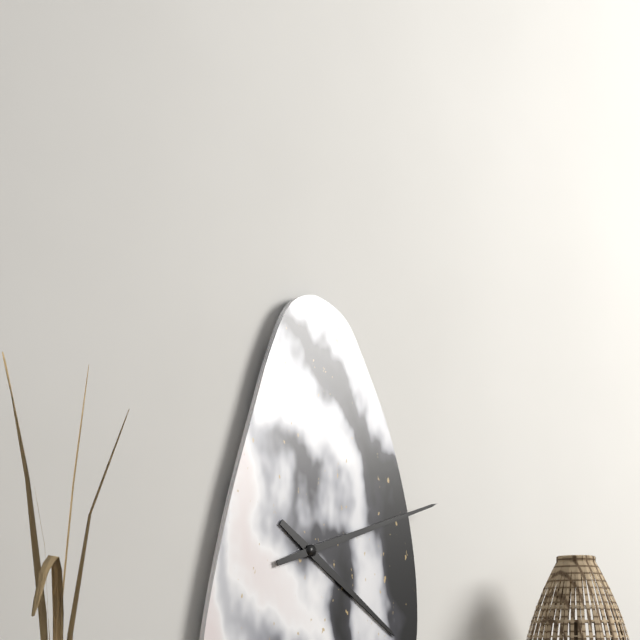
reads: 4,12
